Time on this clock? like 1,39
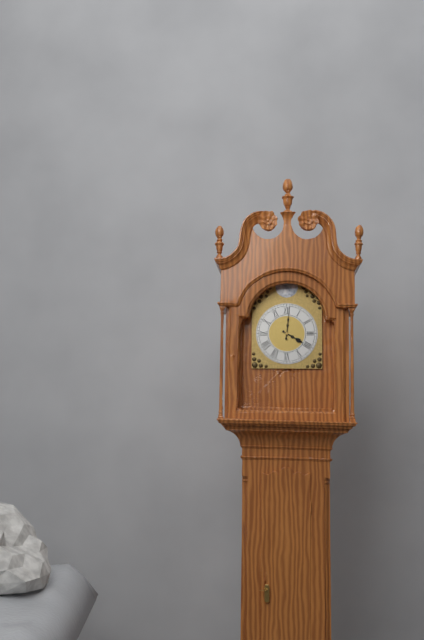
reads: 4,01
